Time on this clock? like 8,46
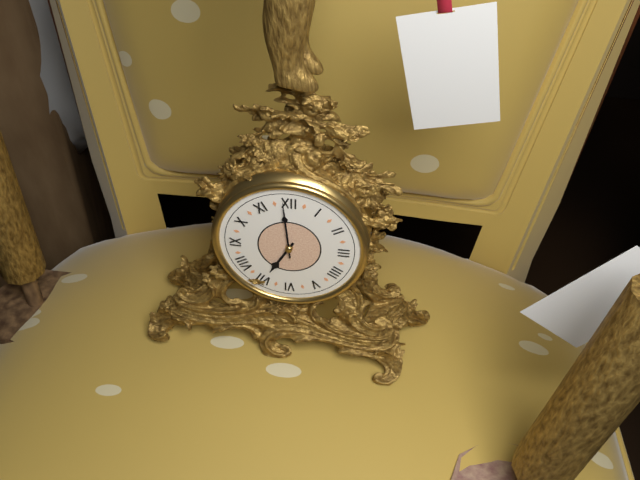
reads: 6,59
